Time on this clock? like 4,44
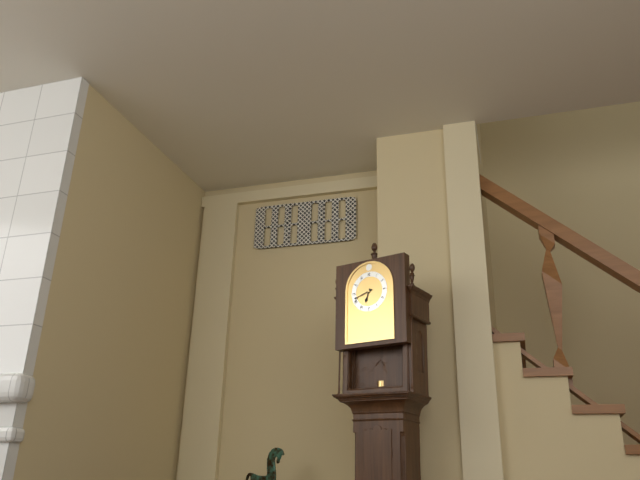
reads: 6,42
